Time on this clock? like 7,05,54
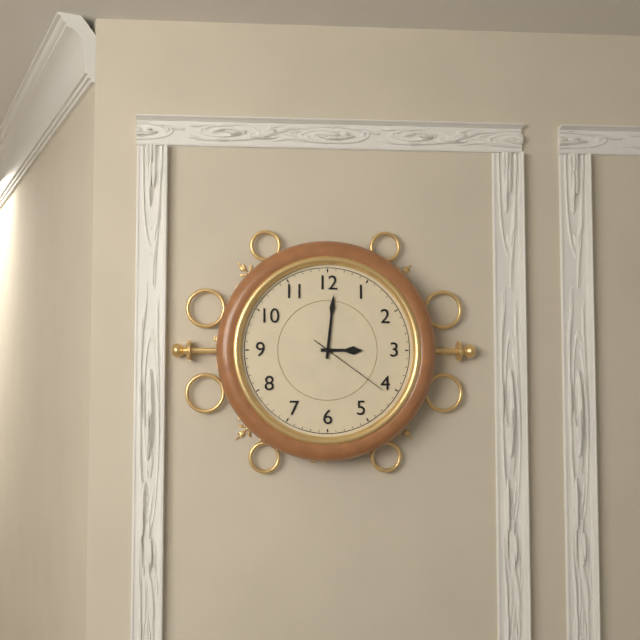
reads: 3,01,21
